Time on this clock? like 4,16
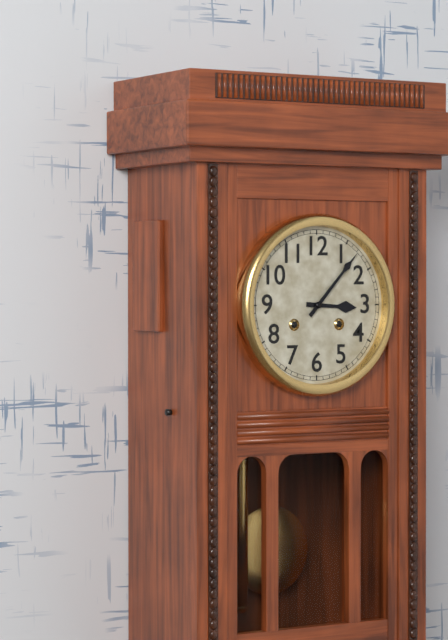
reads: 3,07
